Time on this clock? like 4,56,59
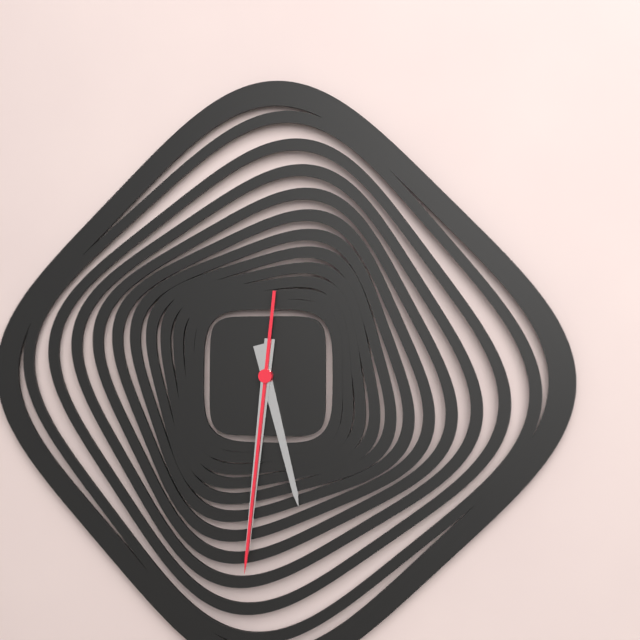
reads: 5,31,31
